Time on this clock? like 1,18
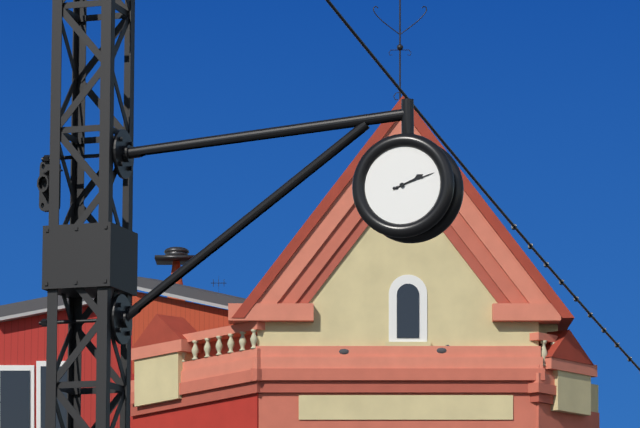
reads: 2,12
